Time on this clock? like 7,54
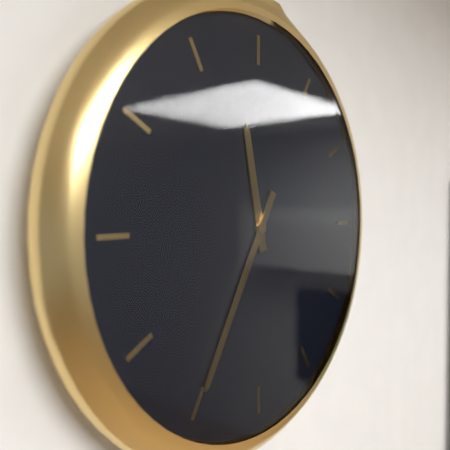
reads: 11,35
